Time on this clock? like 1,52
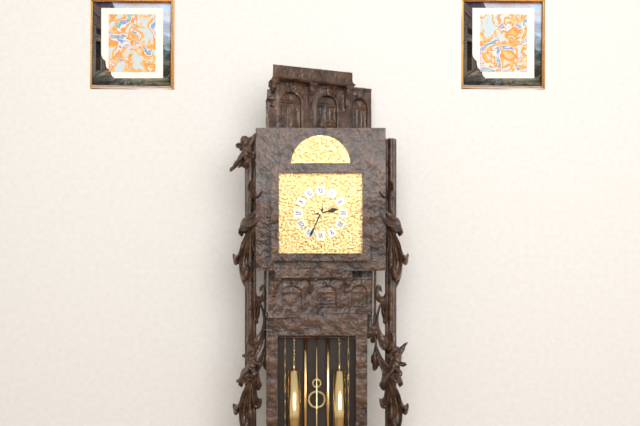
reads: 2,34
